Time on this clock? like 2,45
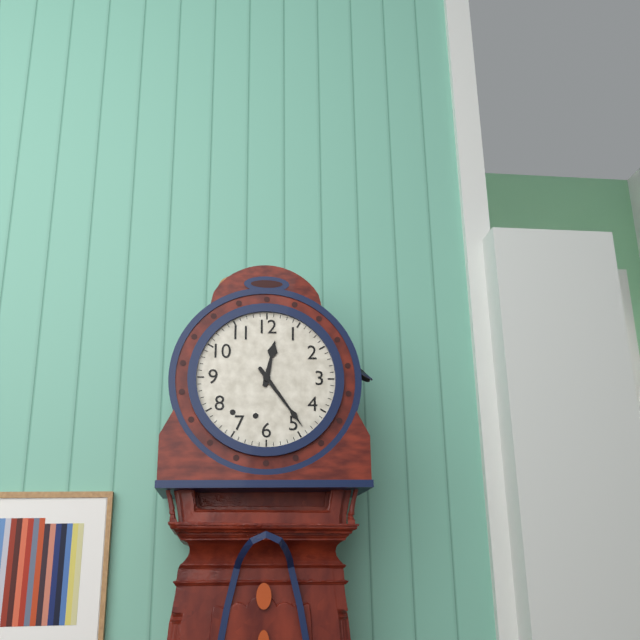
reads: 12,24
